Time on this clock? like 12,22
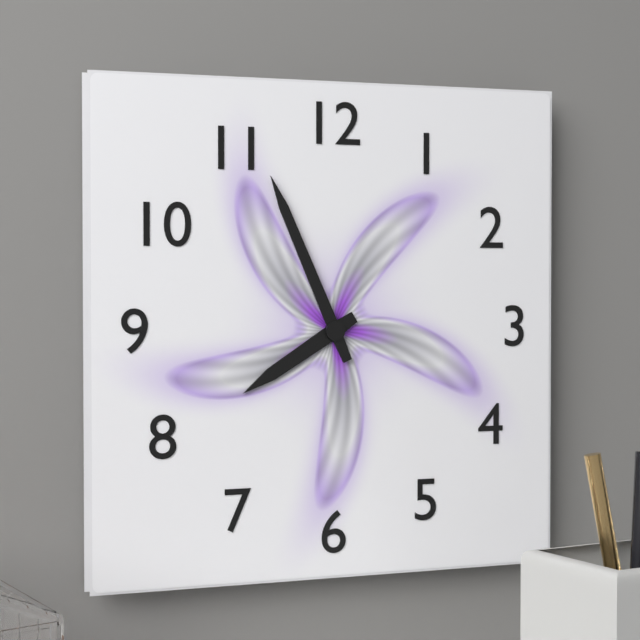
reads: 7,56
